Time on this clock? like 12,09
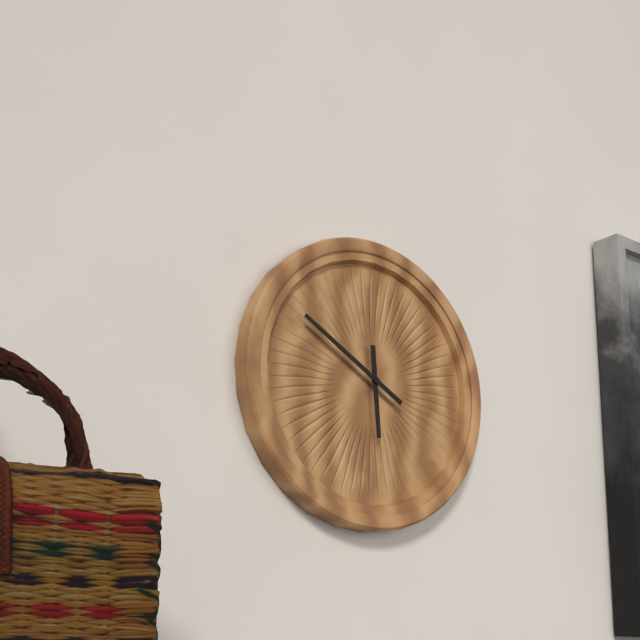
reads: 5,50
